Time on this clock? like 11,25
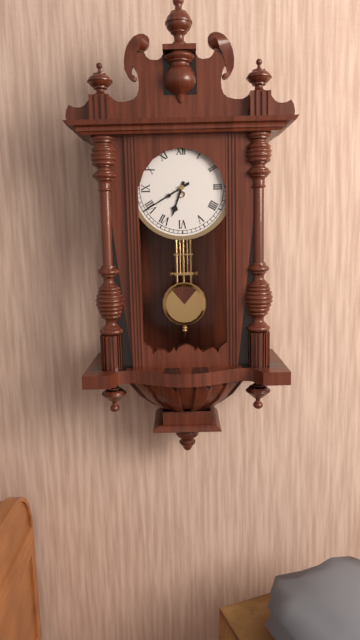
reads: 6,40
